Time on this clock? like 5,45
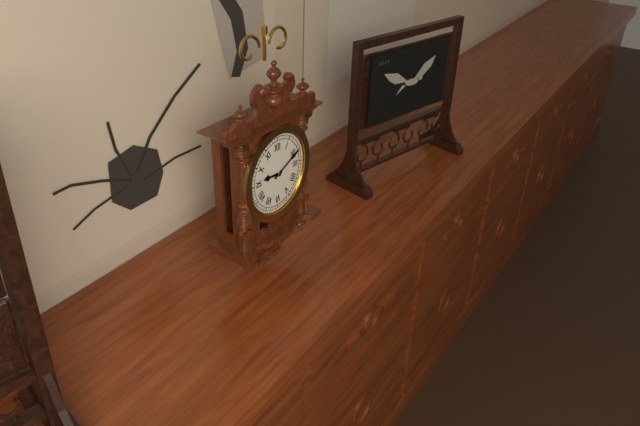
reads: 9,11
